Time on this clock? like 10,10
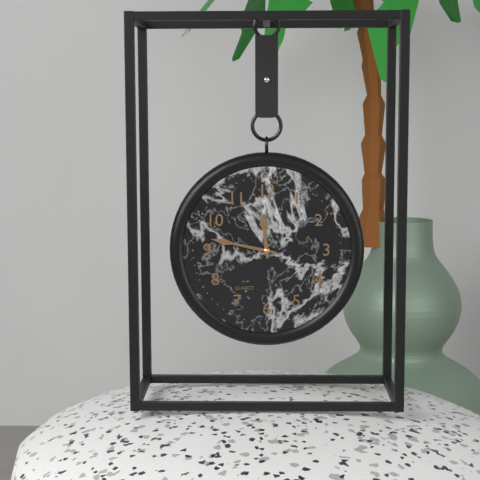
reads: 11,47
